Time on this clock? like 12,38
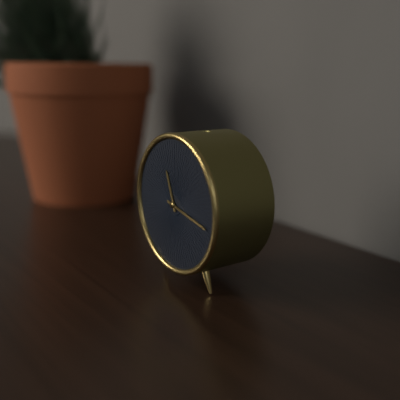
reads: 11,17
